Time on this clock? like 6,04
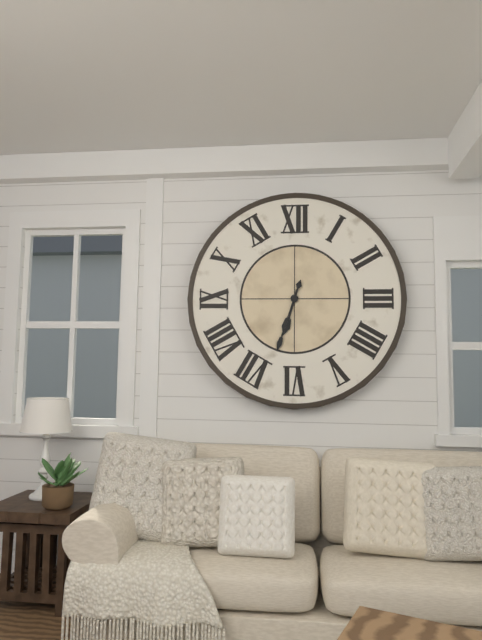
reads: 6,33
